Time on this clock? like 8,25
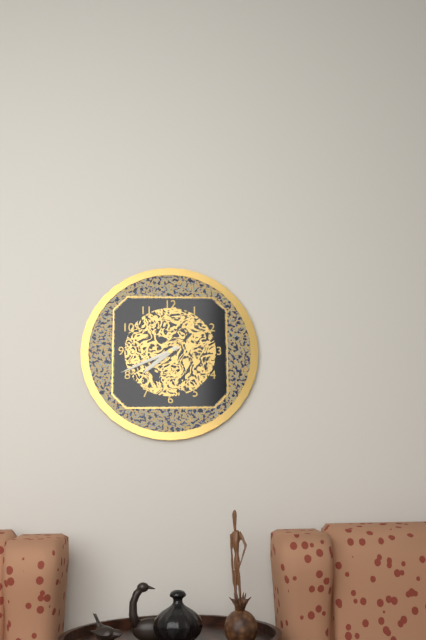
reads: 7,41
